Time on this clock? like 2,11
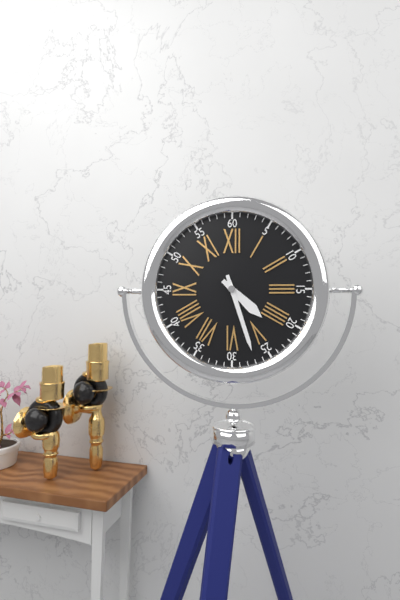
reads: 4,27
